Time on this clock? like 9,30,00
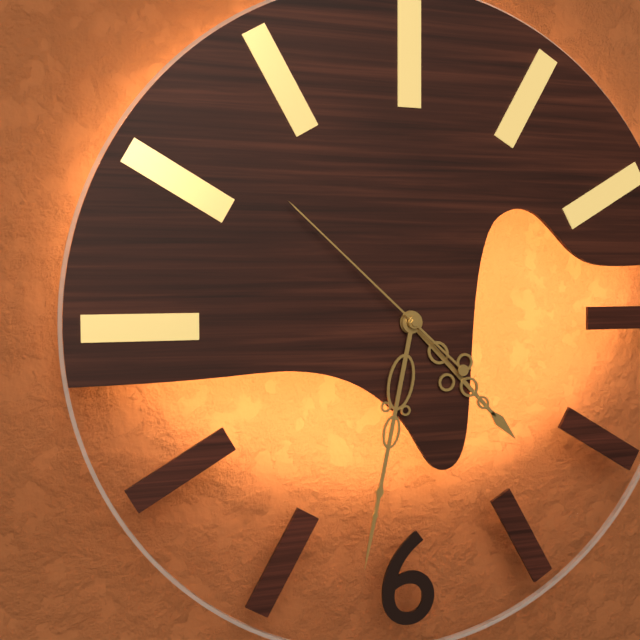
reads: 4,32,52
